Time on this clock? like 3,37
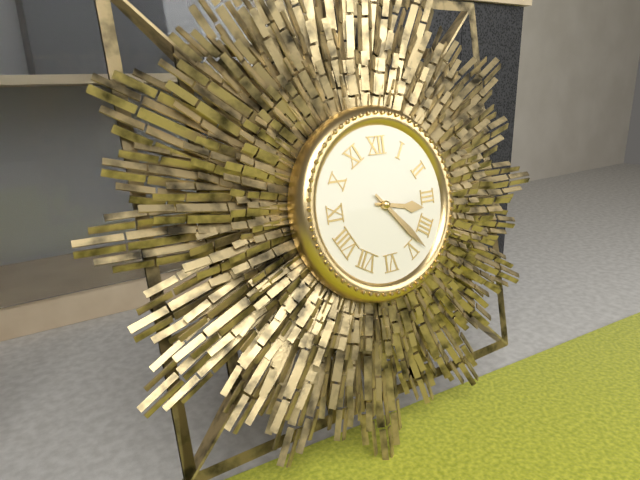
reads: 3,23
